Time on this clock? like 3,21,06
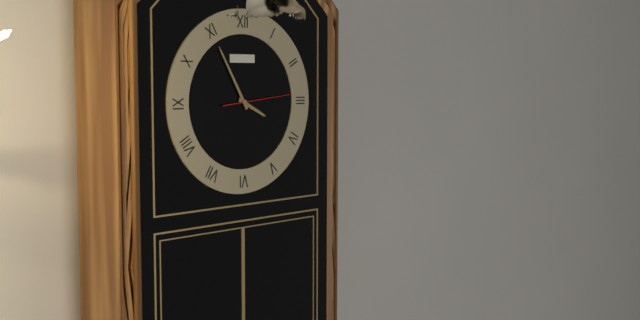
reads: 3,55,14
